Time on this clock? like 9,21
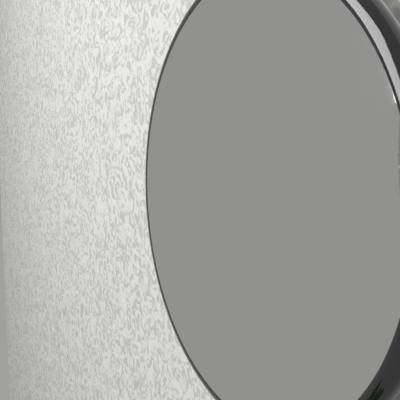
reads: 12,56
